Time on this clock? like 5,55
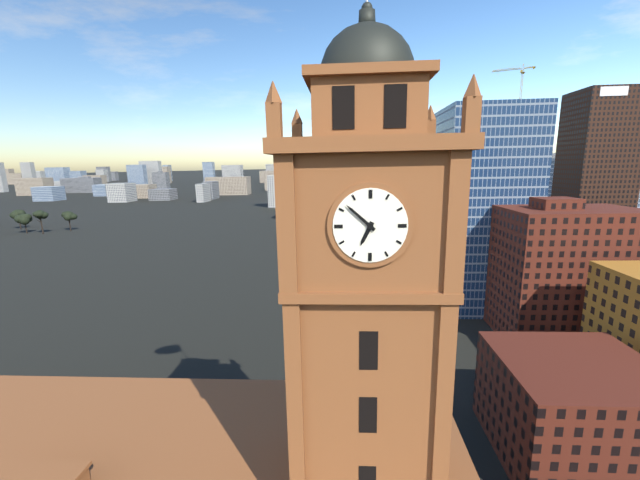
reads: 6,52
